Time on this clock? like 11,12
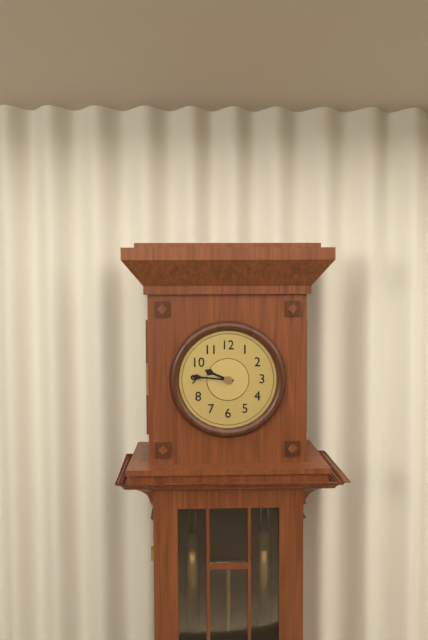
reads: 9,46
